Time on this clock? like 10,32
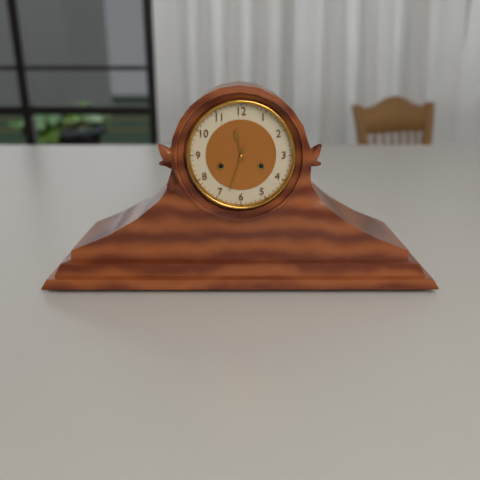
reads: 11,33
